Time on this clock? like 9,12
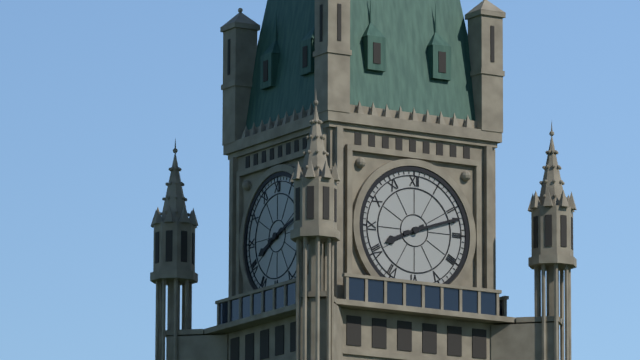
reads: 8,12
